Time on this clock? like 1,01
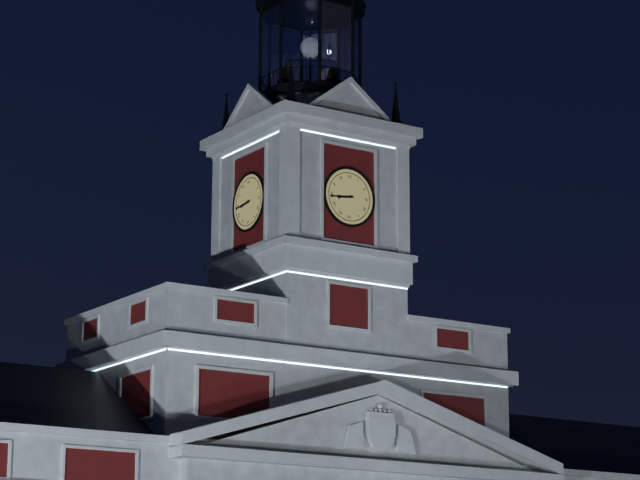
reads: 8,44
